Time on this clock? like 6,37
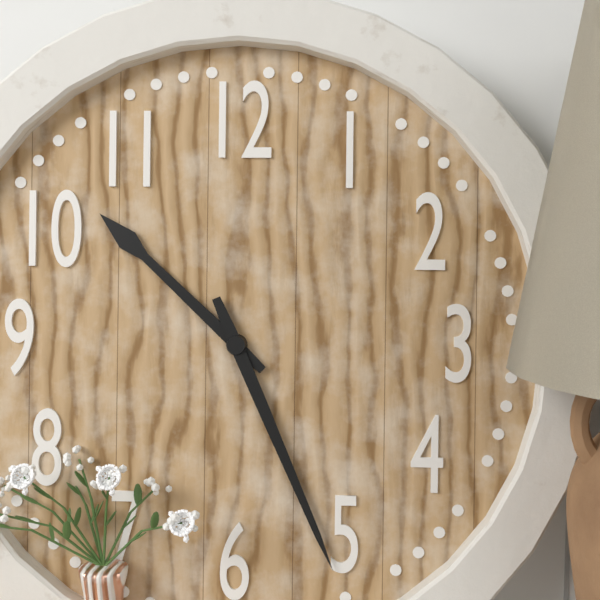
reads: 10,26
